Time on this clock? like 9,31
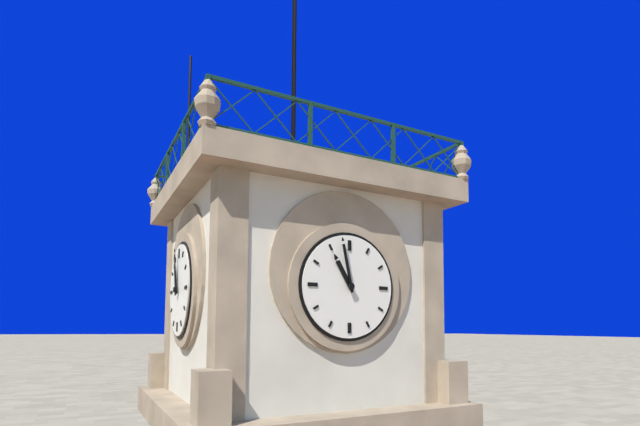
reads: 10,58
